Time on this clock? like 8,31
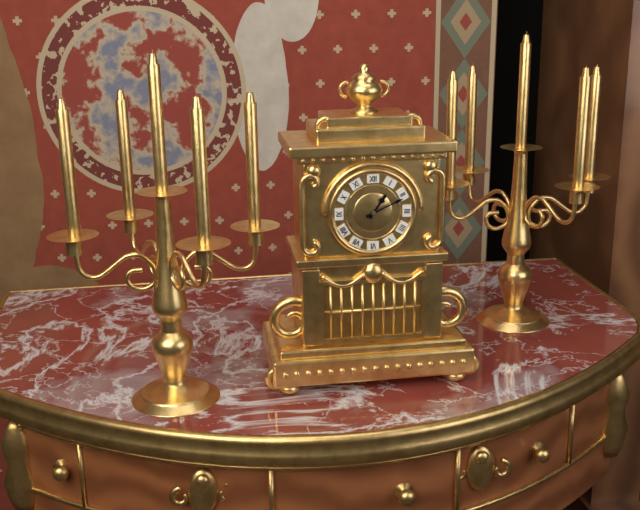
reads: 1,11
